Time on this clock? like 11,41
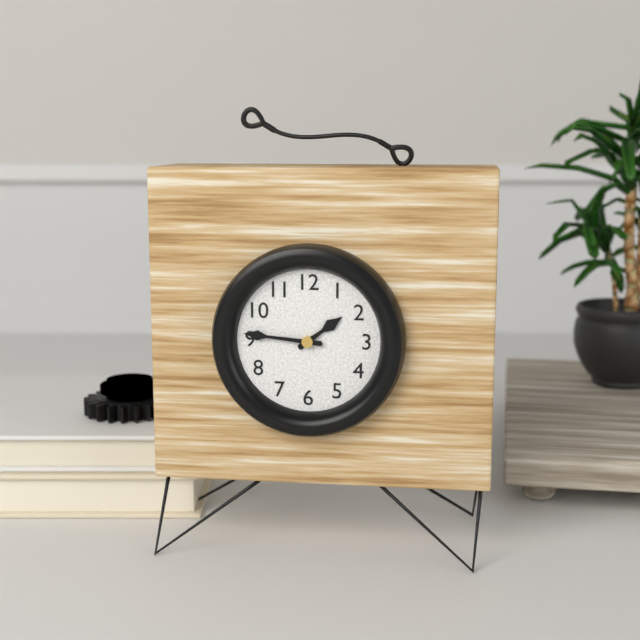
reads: 1,46
